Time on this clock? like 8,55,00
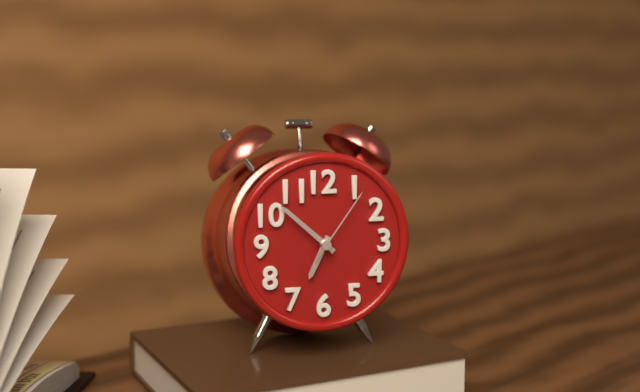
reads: 6,52,06
